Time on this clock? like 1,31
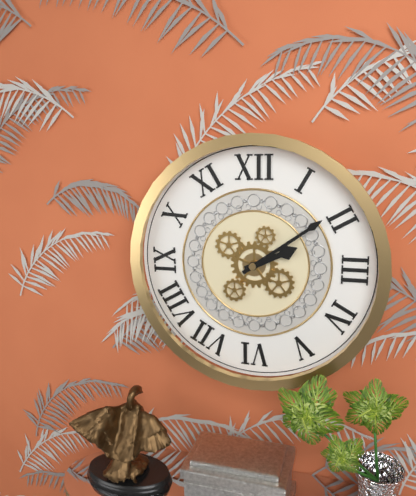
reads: 2,09
